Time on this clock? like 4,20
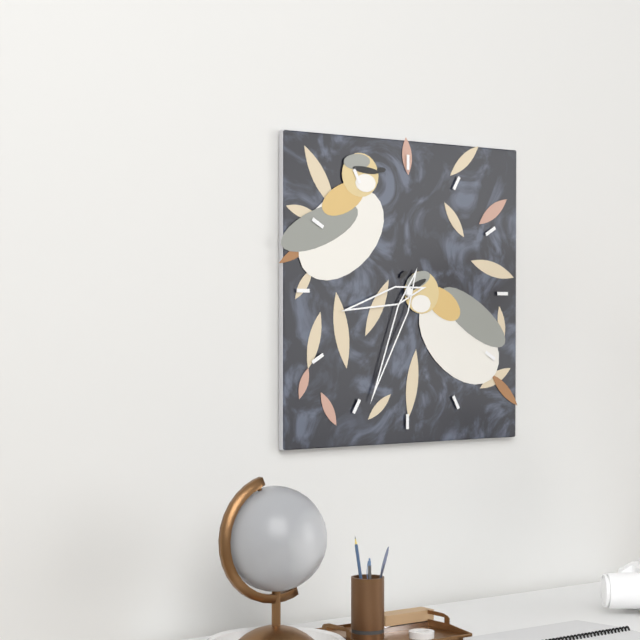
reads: 8,34
